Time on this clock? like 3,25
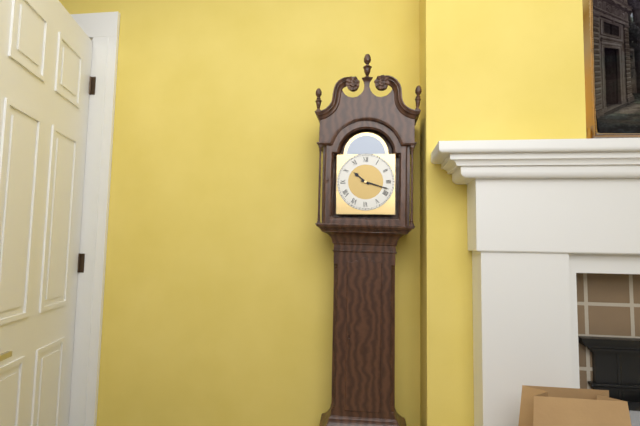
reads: 10,18
